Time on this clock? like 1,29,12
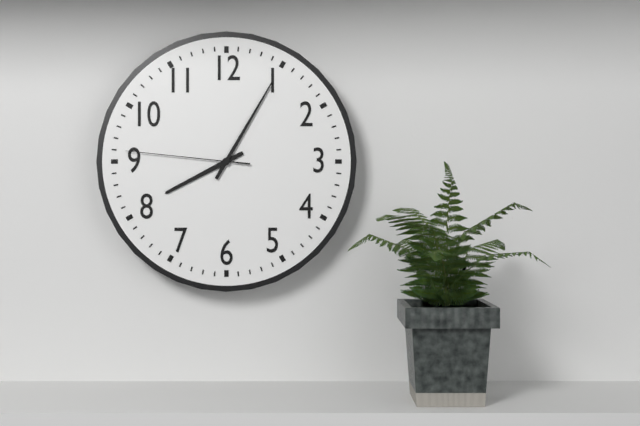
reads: 8,05,46
